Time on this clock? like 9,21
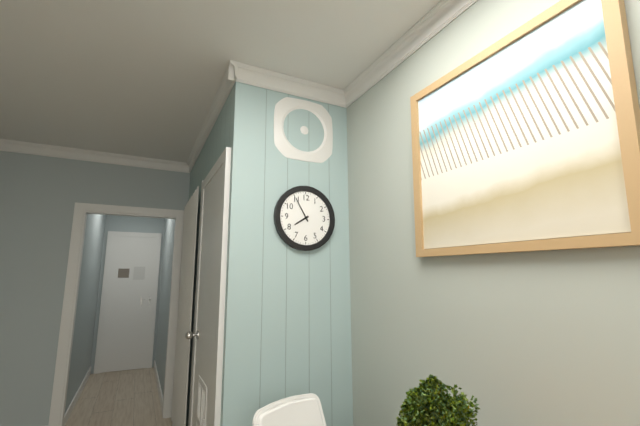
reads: 7,55
